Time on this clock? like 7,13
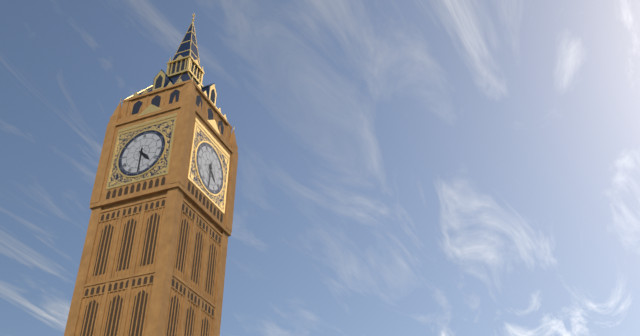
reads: 4,30
